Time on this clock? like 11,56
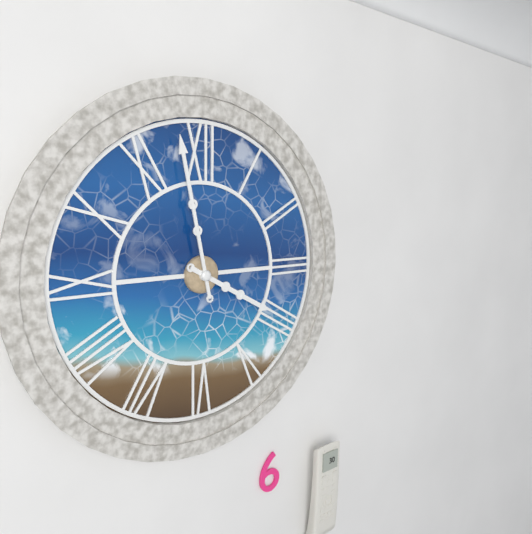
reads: 3,58
